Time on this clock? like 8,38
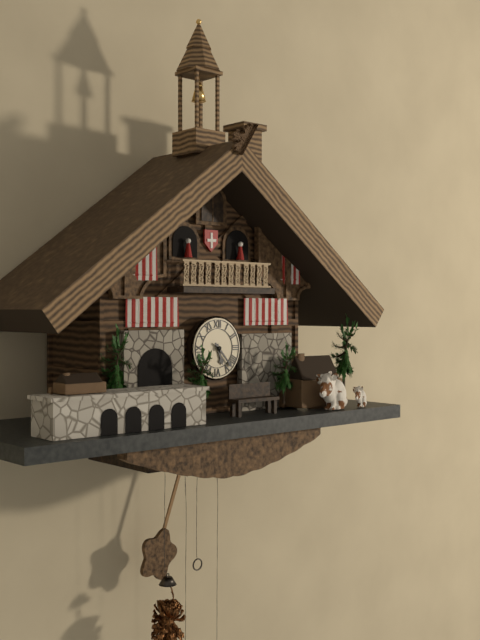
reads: 5,23
